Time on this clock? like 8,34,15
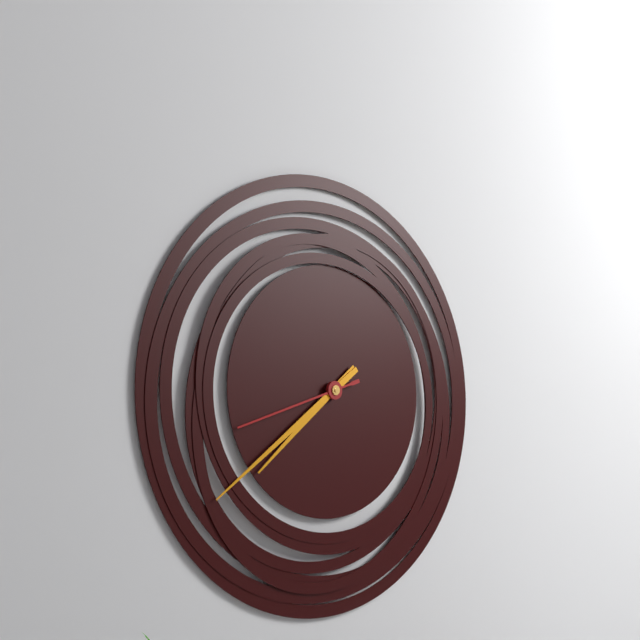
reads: 7,39,42
